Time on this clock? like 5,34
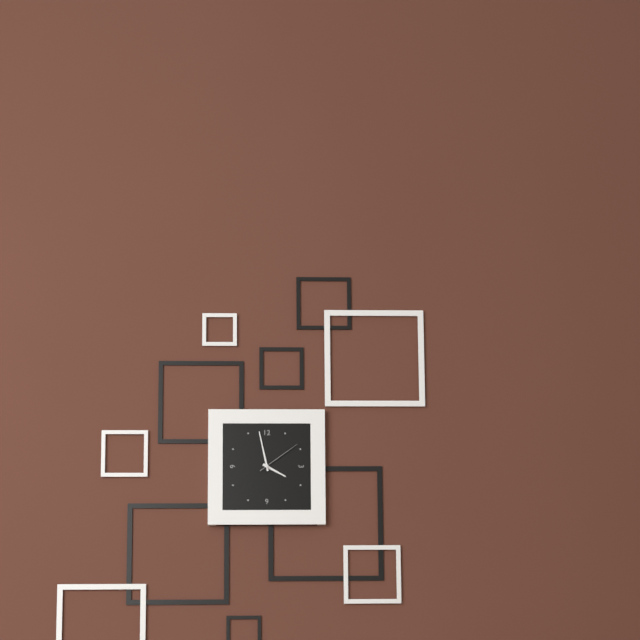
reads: 3,58
